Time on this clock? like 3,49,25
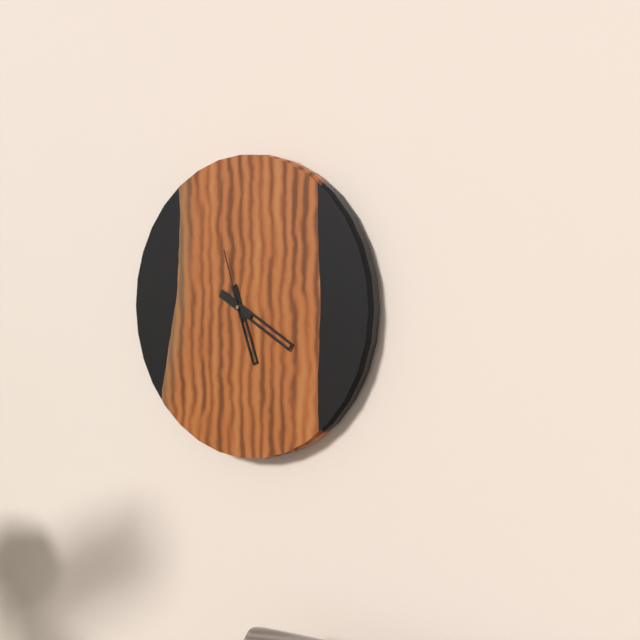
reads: 5,20,57
